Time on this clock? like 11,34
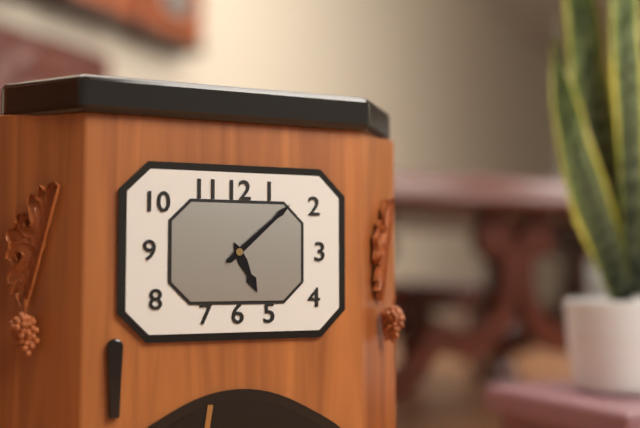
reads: 5,08
